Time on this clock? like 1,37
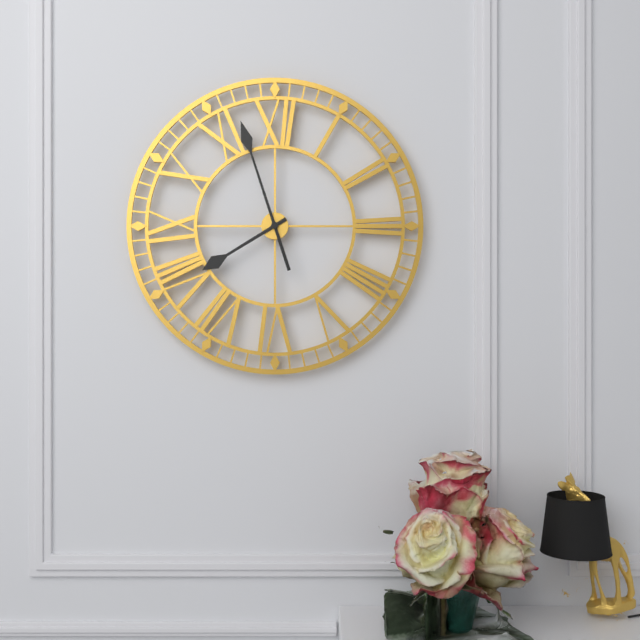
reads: 7,57
